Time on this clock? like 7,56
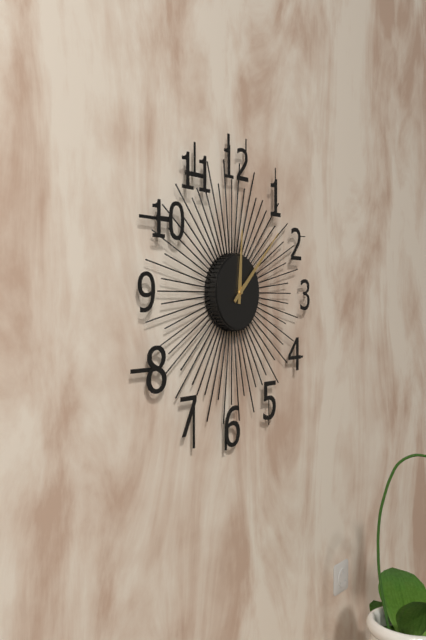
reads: 12,08
